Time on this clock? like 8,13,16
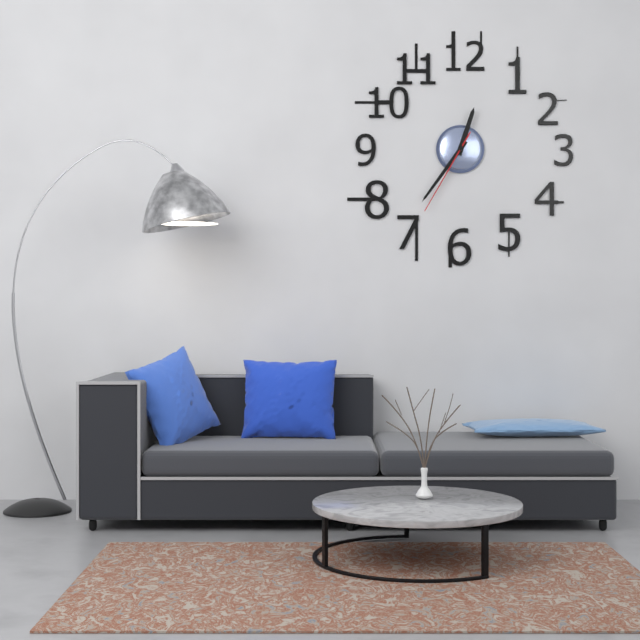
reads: 12,36,35
